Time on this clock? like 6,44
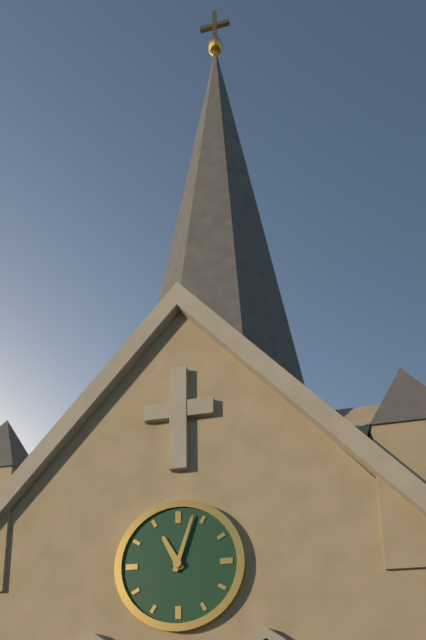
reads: 11,03
